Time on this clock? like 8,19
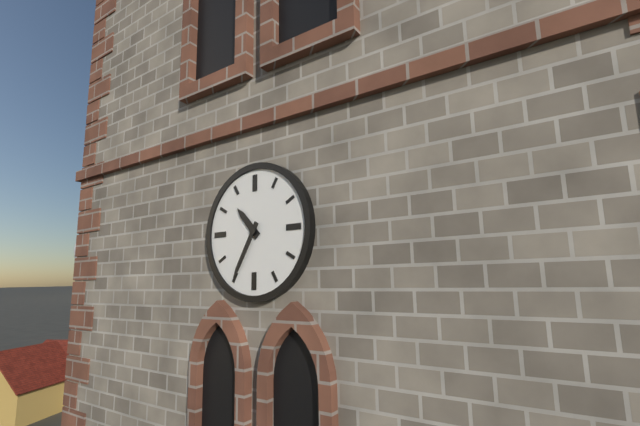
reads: 10,35
